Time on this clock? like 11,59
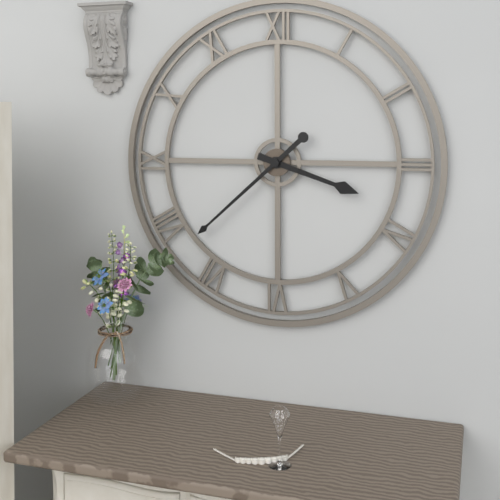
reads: 3,38
